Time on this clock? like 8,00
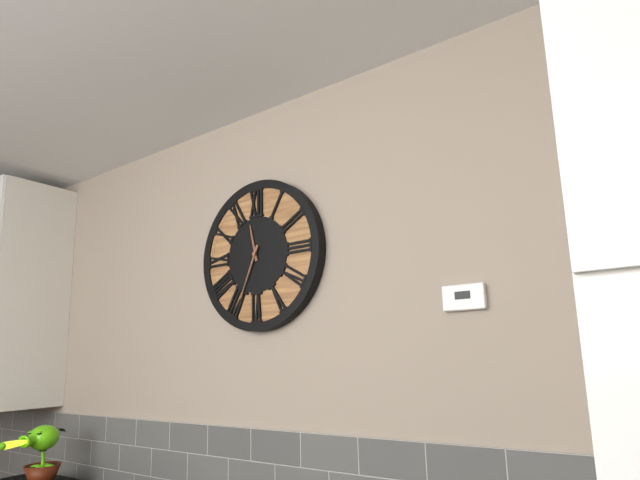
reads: 11,34
